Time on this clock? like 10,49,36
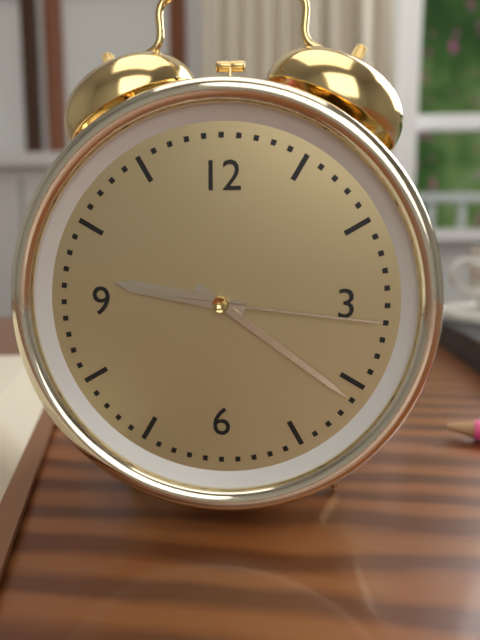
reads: 9,21,16
